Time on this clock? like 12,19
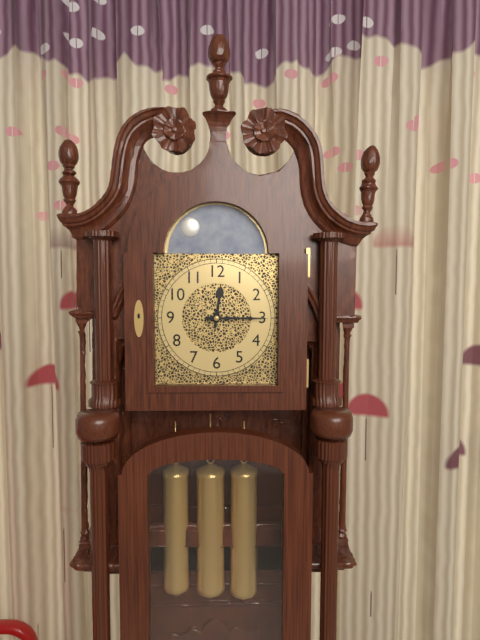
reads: 12,15
